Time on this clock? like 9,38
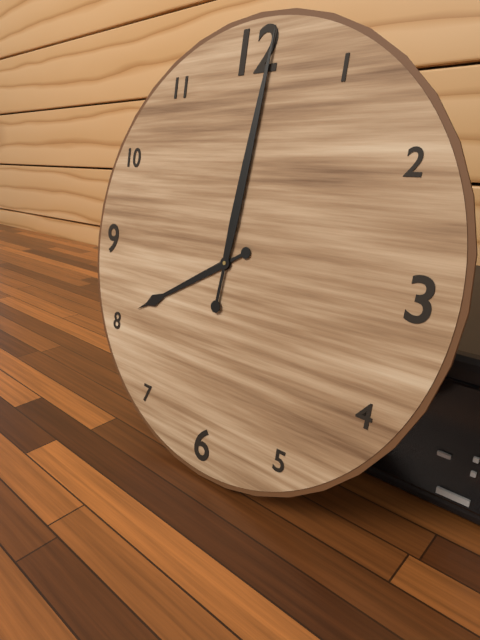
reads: 8,01
